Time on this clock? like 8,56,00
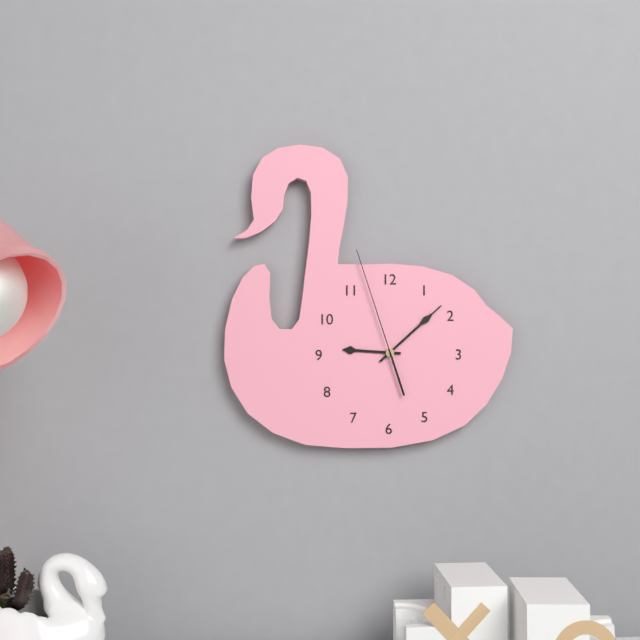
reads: 9,08,57
